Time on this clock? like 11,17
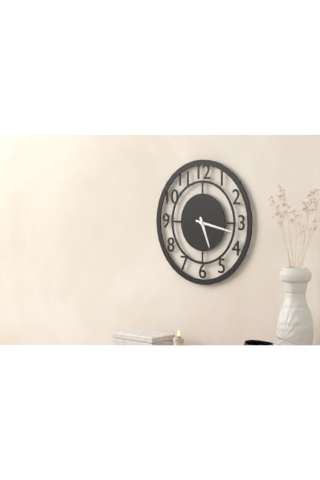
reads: 5,17
